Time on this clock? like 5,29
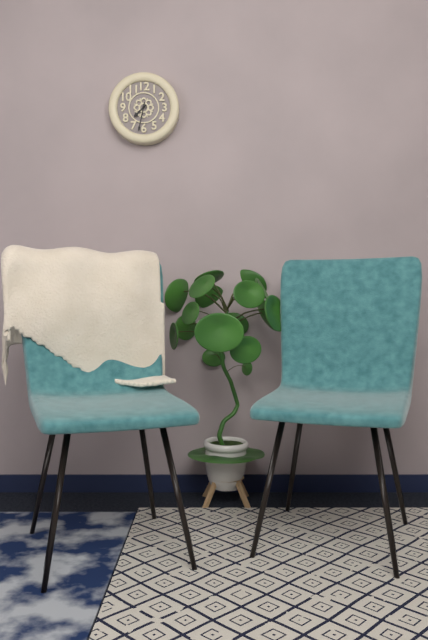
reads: 7,32
